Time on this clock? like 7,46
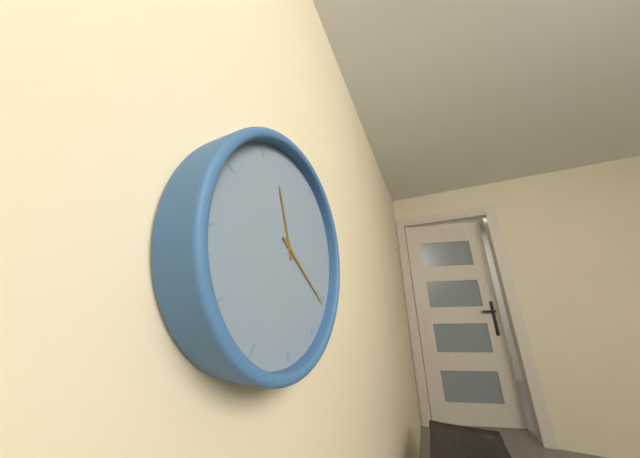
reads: 11,21
